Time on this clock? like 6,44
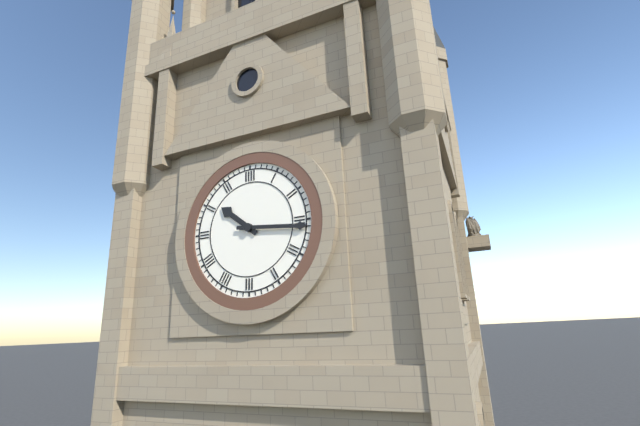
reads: 10,16
